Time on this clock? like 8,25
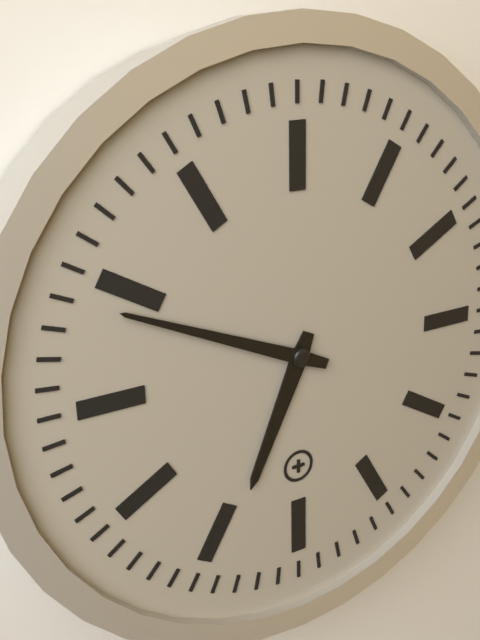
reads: 6,49
